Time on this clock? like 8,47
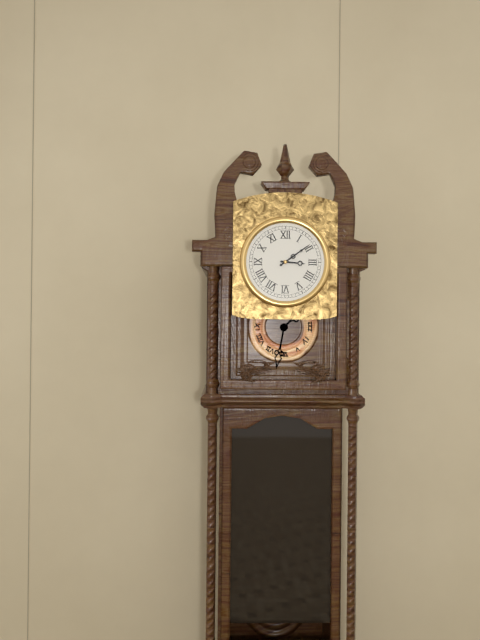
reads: 3,09
